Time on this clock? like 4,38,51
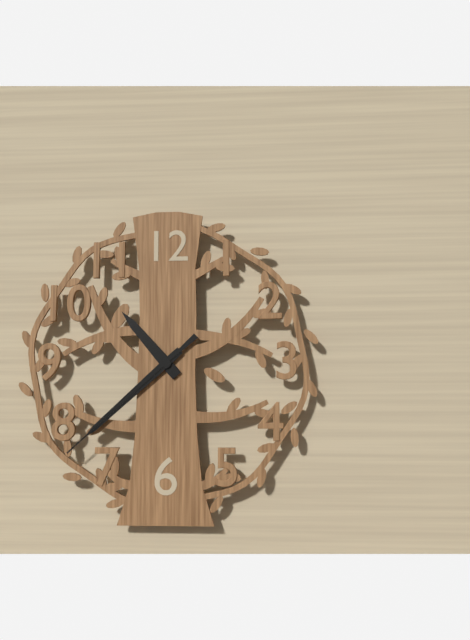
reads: 10,38,38
